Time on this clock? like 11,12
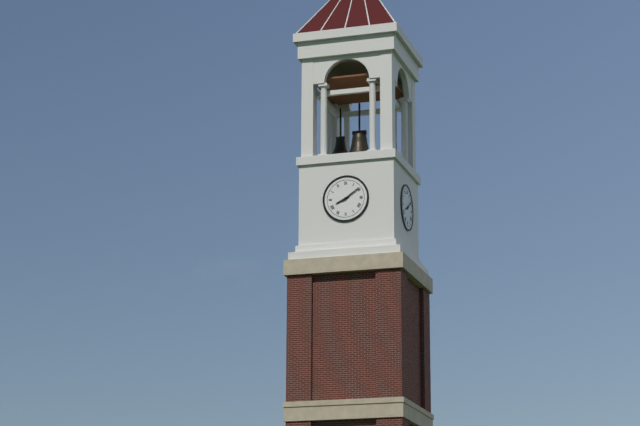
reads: 8,09
